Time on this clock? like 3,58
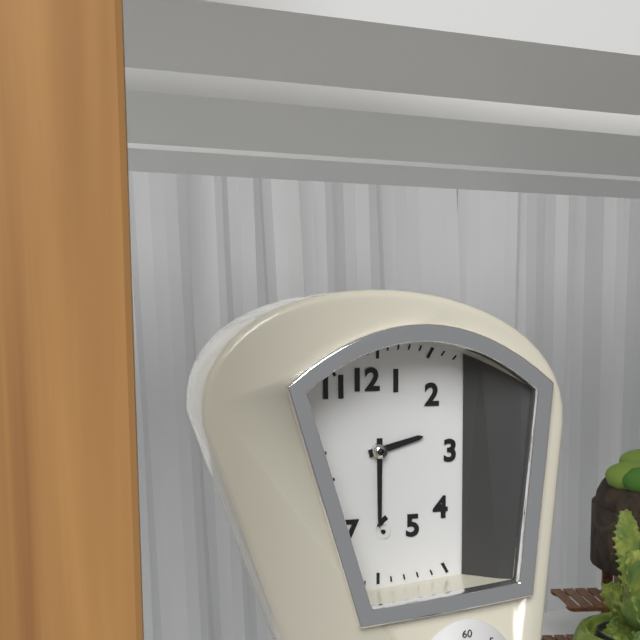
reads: 2,30
